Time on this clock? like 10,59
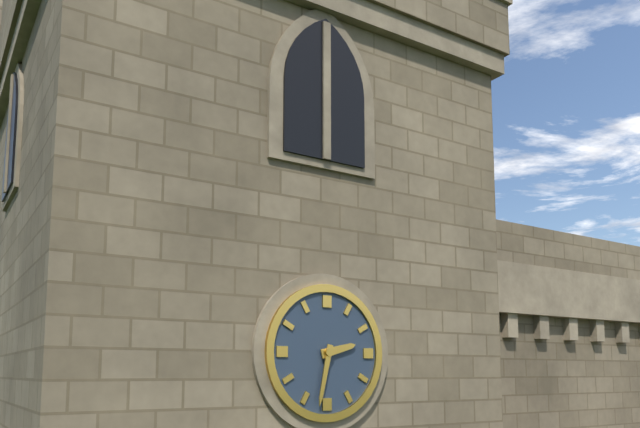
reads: 2,32
